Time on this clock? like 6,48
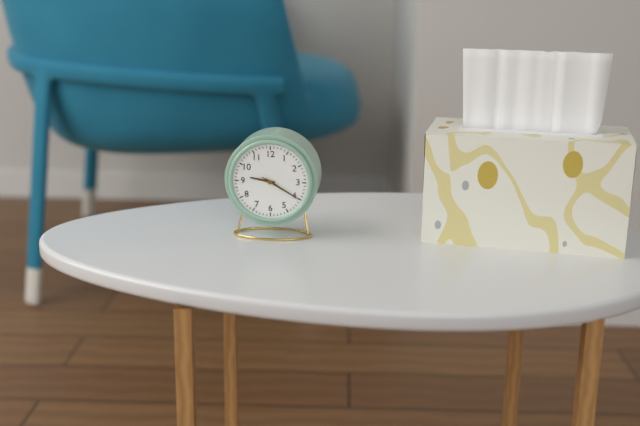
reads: 9,20
